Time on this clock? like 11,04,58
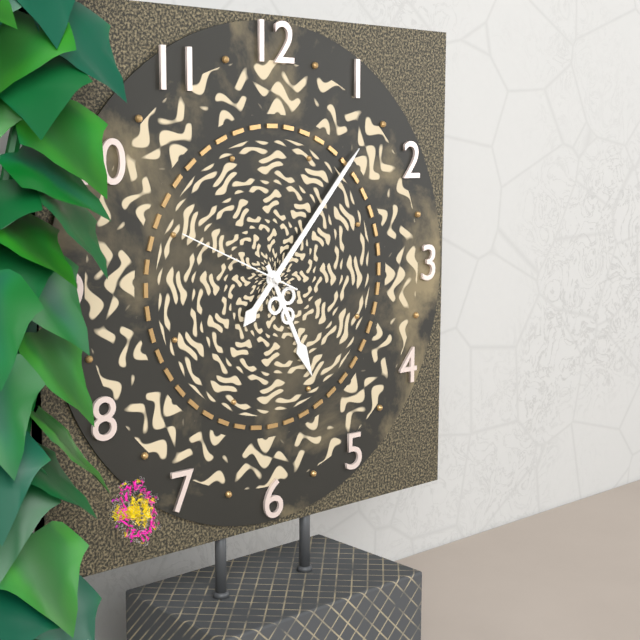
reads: 5,07,49
